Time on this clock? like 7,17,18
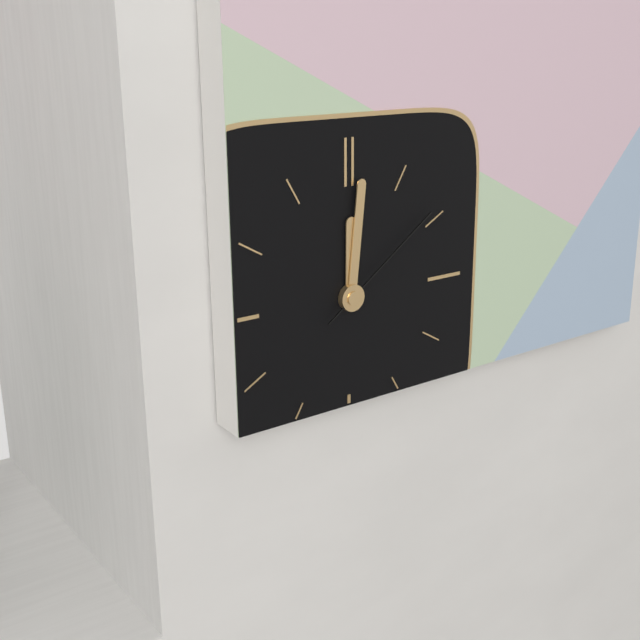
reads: 12,01,09
